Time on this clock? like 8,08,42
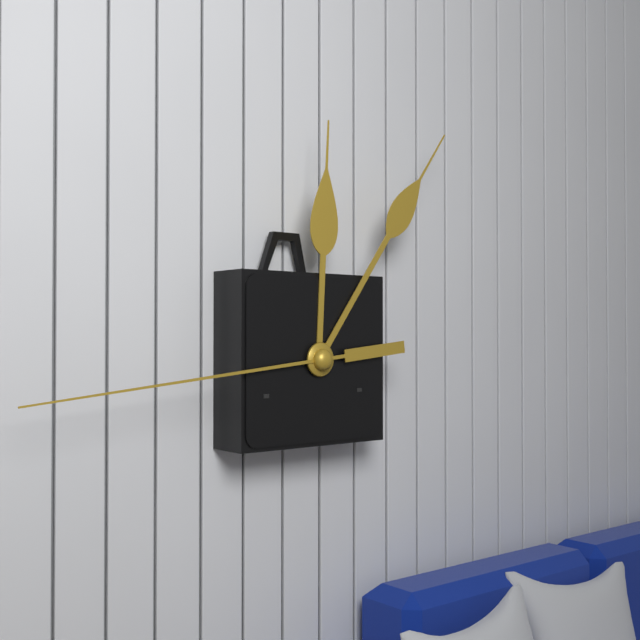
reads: 12,06,44
